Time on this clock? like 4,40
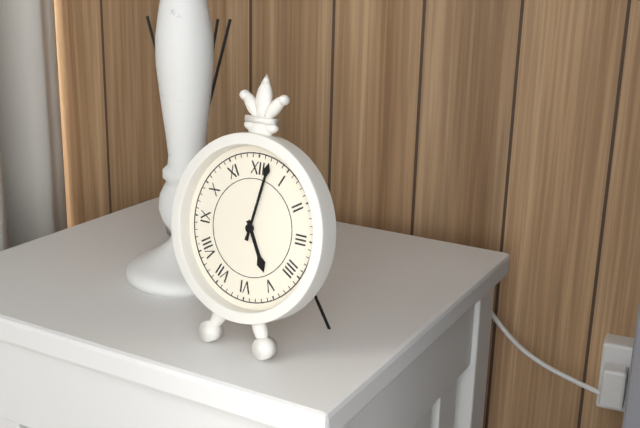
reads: 5,02
